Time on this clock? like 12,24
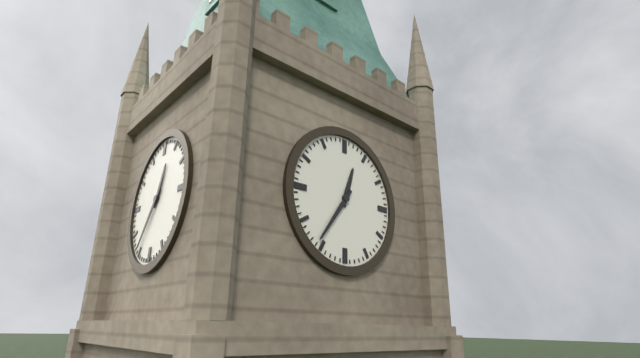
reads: 12,36
